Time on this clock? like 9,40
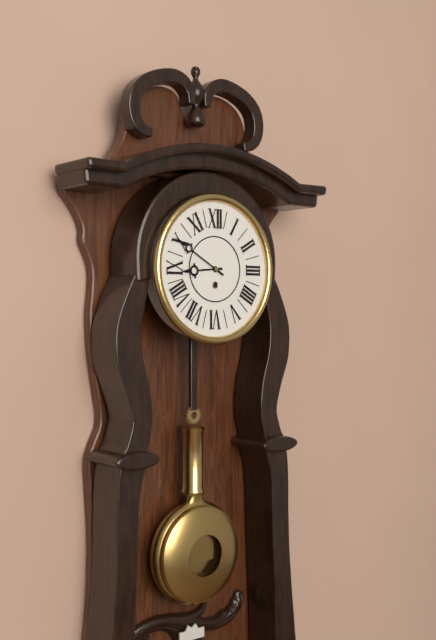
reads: 8,50
